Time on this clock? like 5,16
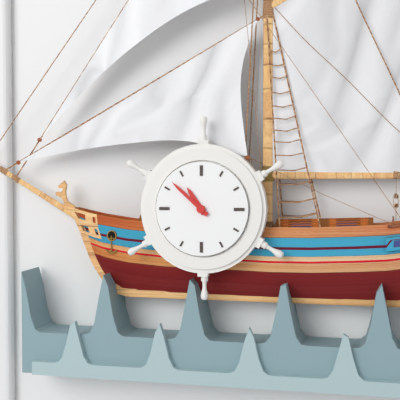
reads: 10,52
